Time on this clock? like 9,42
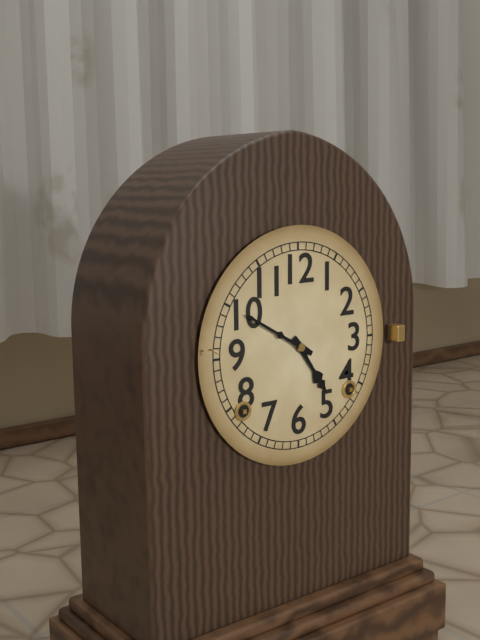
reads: 4,50
